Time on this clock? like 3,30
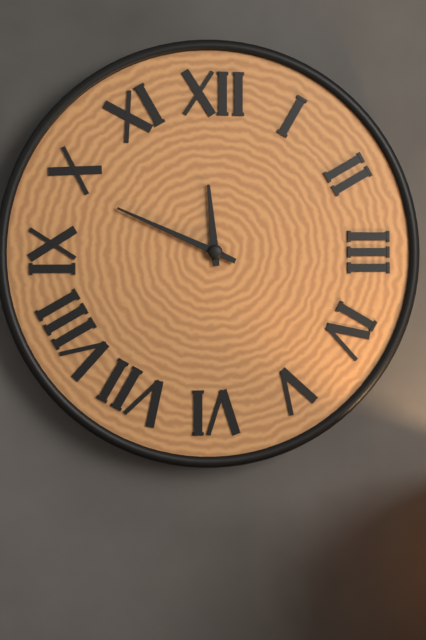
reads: 11,49
